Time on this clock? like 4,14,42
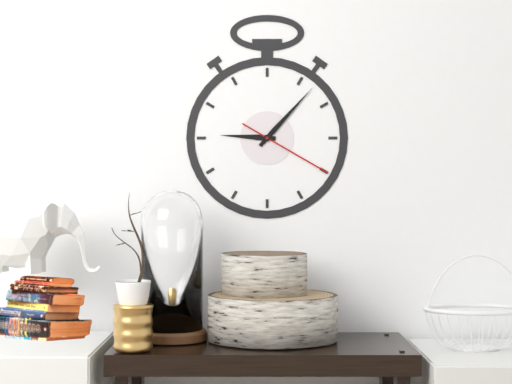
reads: 9,07,20
